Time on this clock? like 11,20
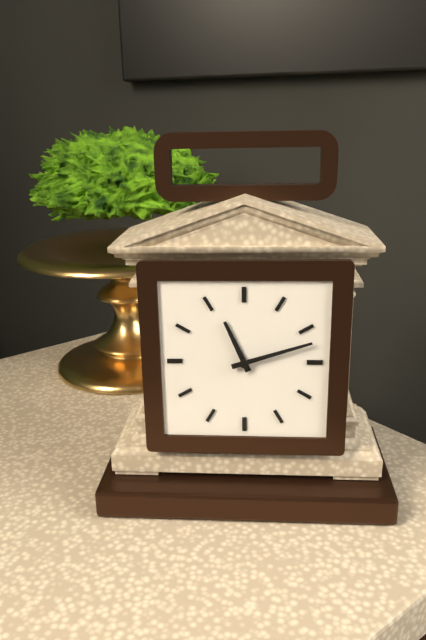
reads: 11,12
